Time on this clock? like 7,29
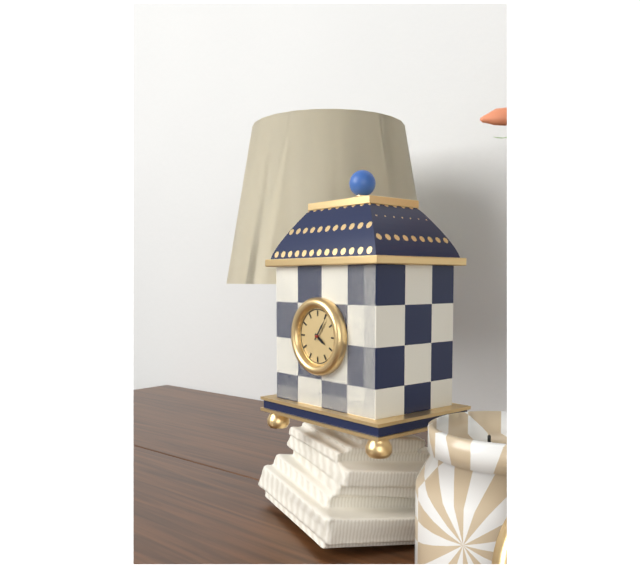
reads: 4,06
